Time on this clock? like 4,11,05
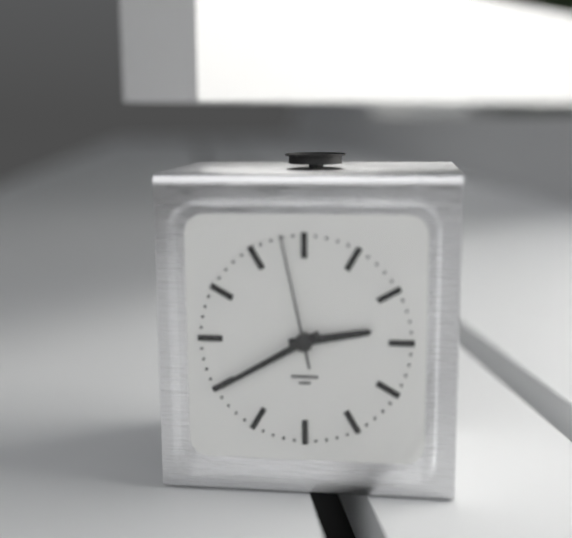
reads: 2,40,58
